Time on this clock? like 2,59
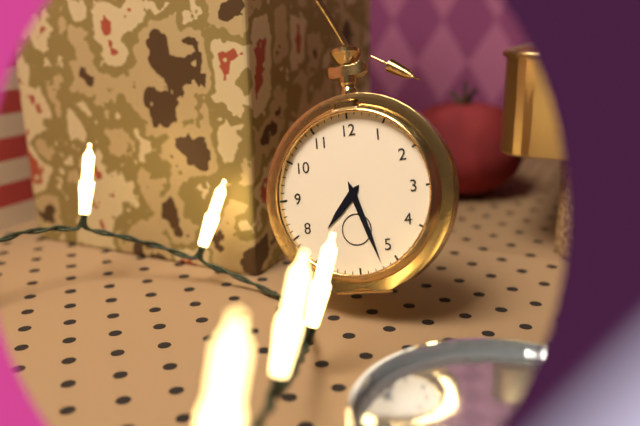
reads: 7,27
